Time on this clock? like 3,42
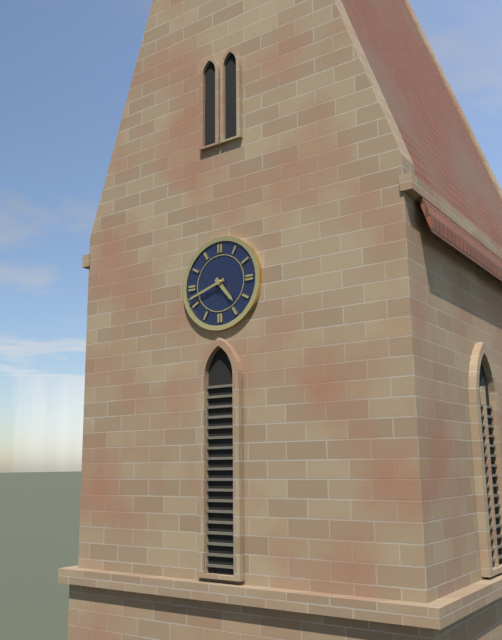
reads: 4,42
